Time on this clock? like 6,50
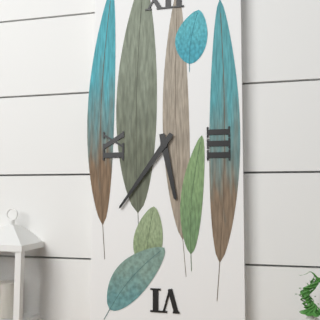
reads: 5,36
